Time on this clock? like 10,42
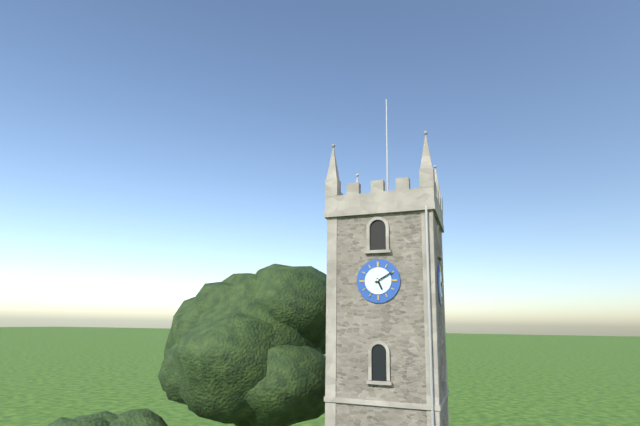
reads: 5,10
